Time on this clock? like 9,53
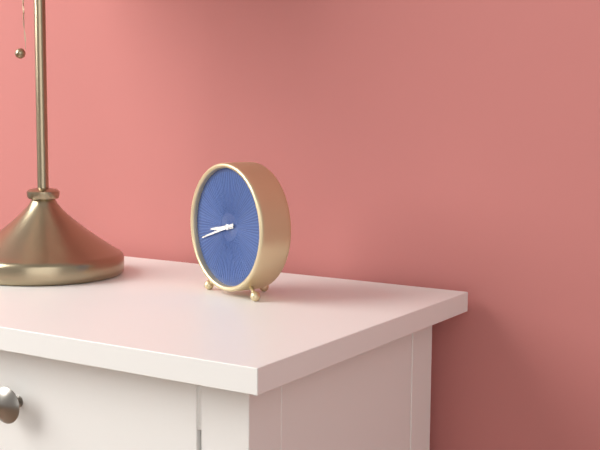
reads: 8,42
